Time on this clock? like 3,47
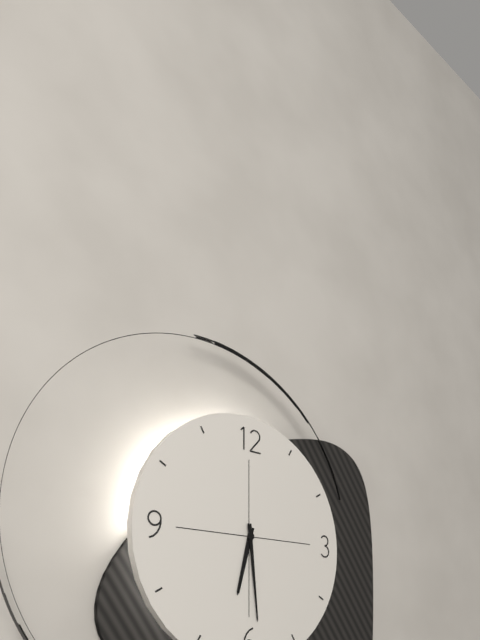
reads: 6,29
